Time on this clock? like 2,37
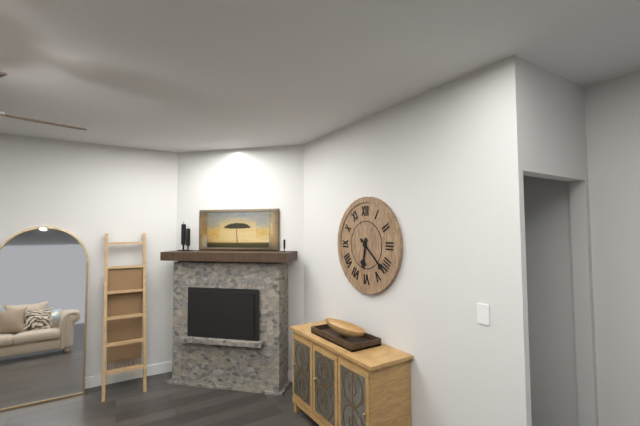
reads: 6,22
